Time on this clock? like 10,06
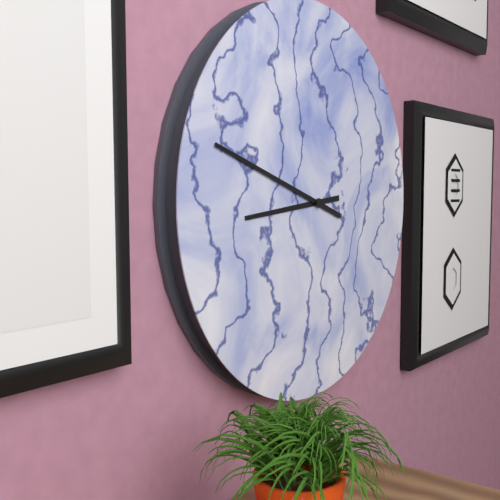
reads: 8,48
